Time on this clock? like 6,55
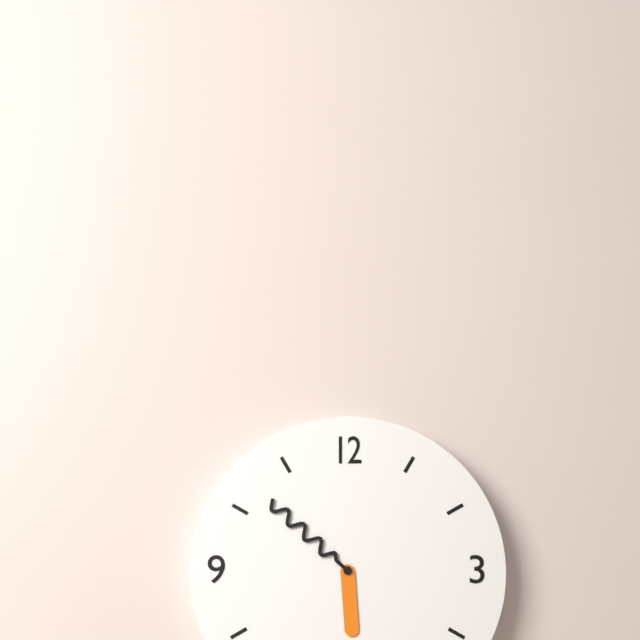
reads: 5,52
